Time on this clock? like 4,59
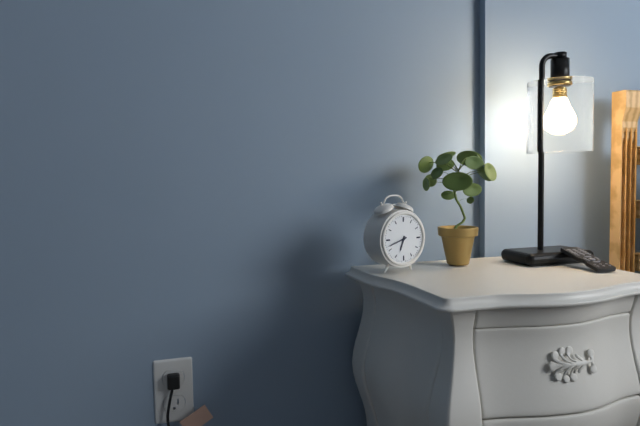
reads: 6,42
